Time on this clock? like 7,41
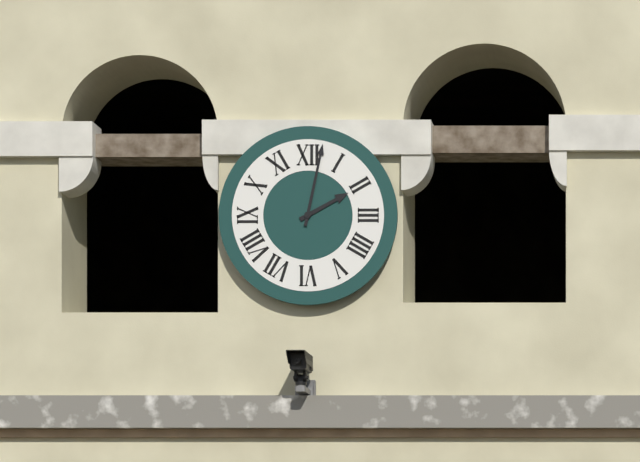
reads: 2,02
